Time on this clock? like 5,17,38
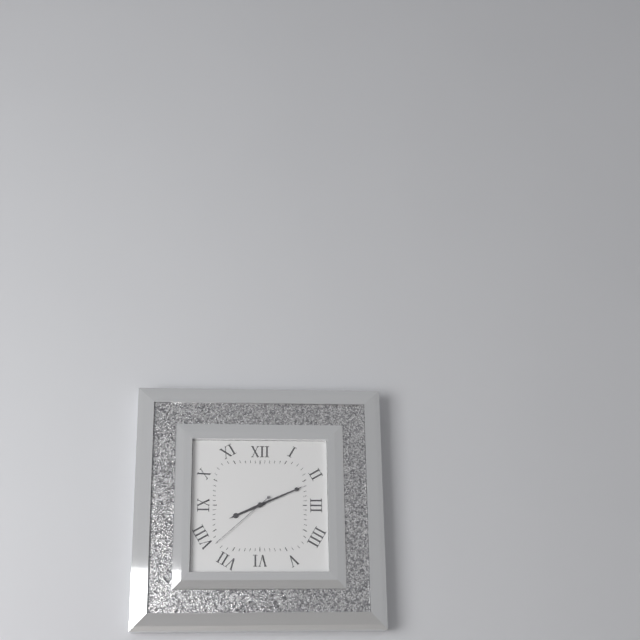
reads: 8,11,38
